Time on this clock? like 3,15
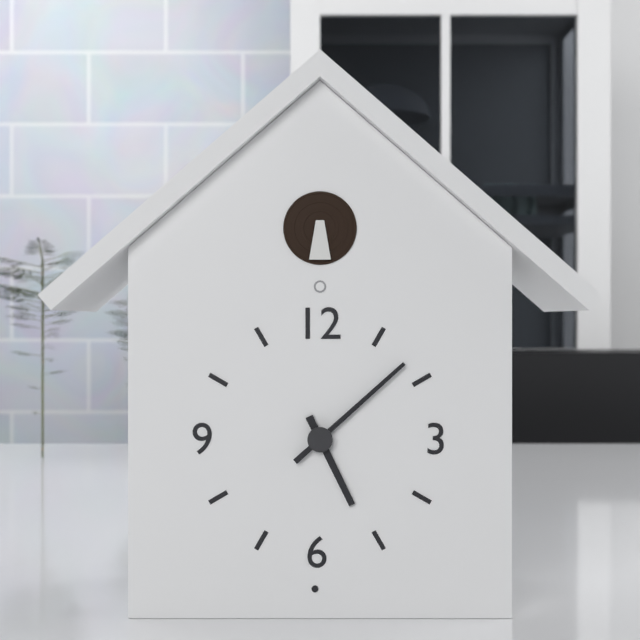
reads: 5,08
